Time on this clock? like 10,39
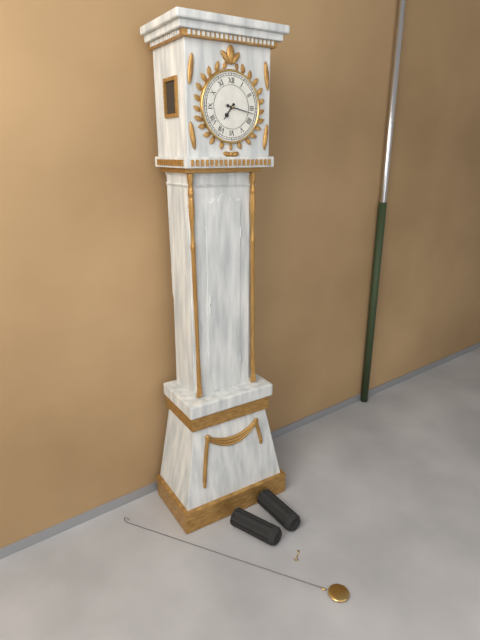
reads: 7,17
